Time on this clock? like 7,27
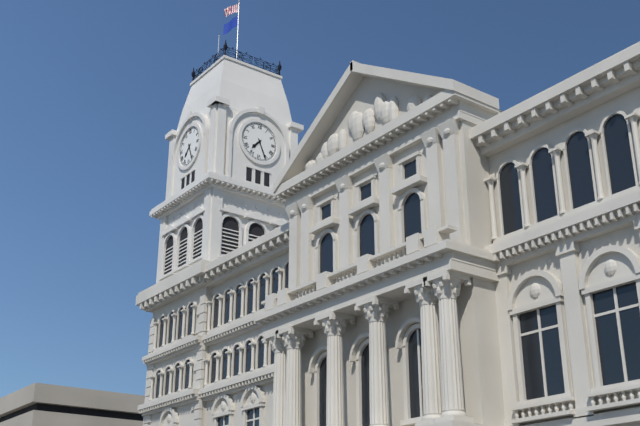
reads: 7,26
